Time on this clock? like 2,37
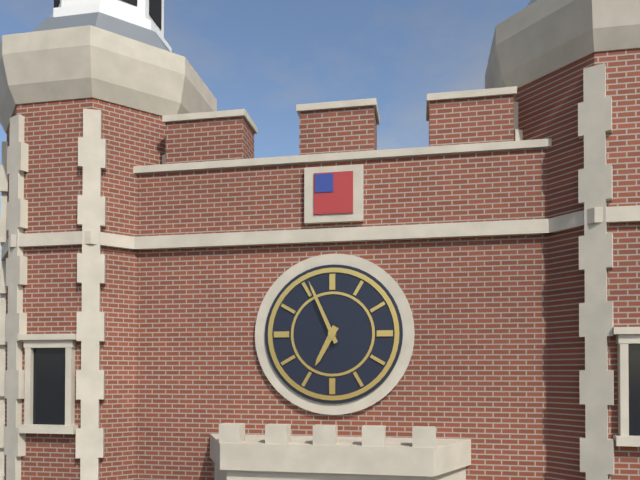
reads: 6,56
